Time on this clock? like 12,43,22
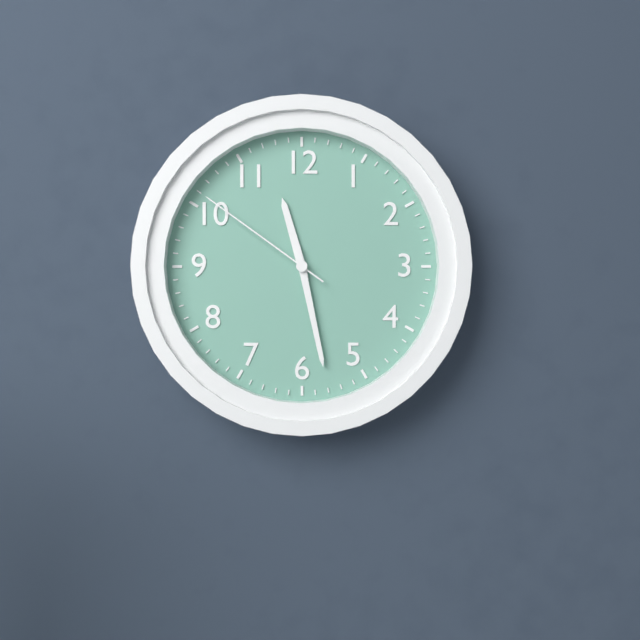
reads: 11,28,51
